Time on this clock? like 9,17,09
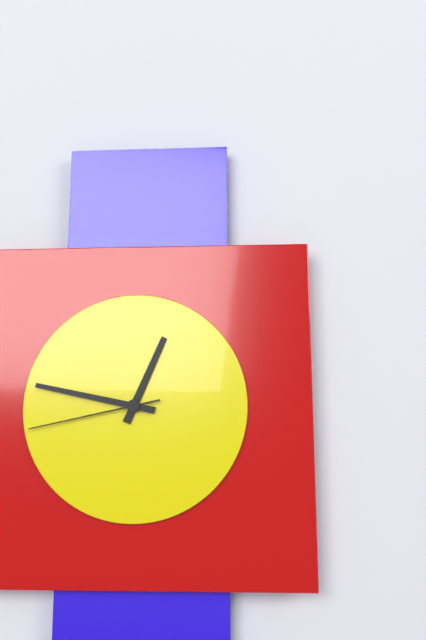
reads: 12,47,43
